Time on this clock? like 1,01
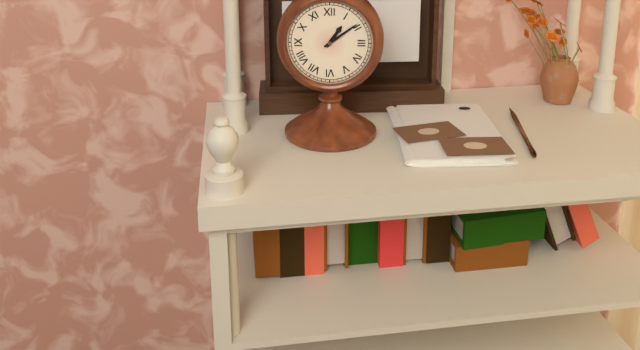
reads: 1,09
